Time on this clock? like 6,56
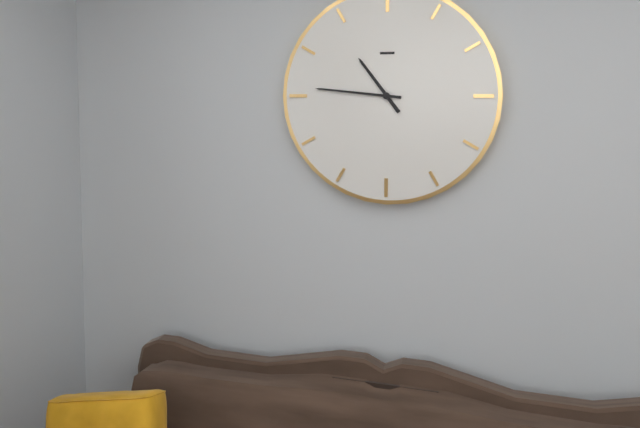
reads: 10,46
